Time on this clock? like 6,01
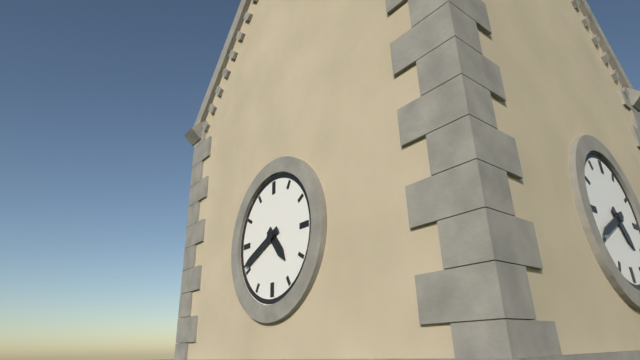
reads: 4,41
